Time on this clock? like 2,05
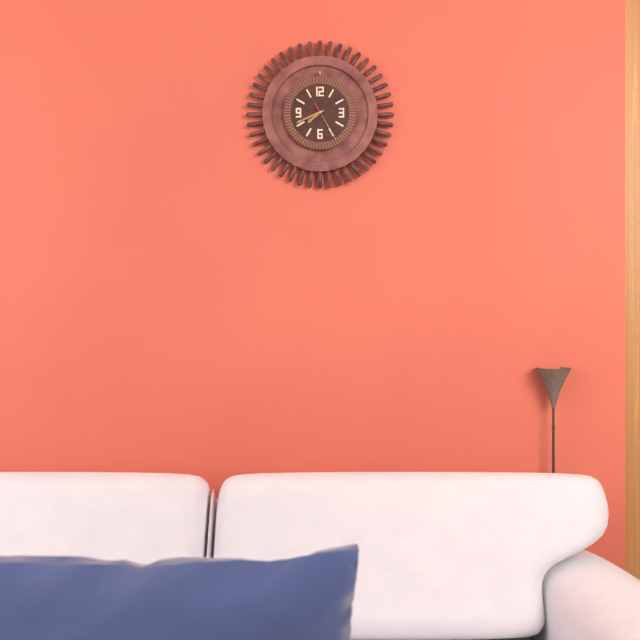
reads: 7,41
